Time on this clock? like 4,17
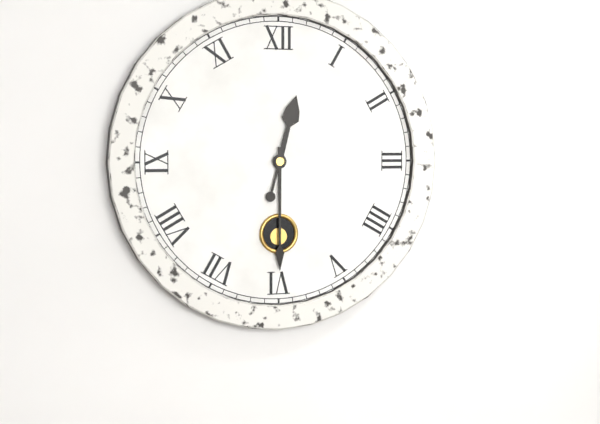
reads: 12,30
